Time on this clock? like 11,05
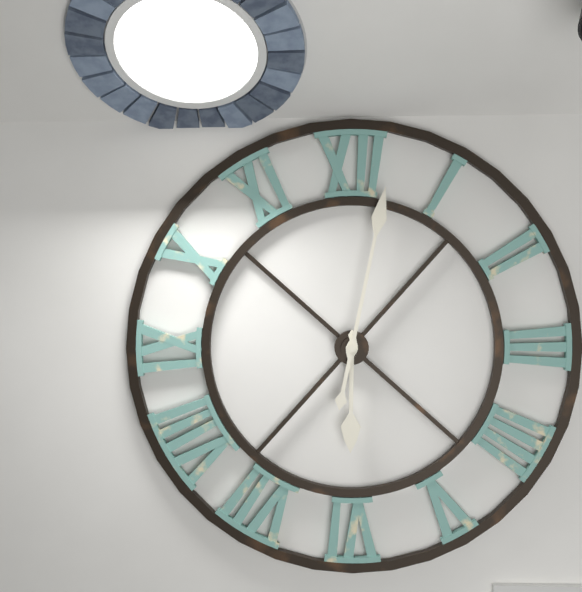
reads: 6,02
